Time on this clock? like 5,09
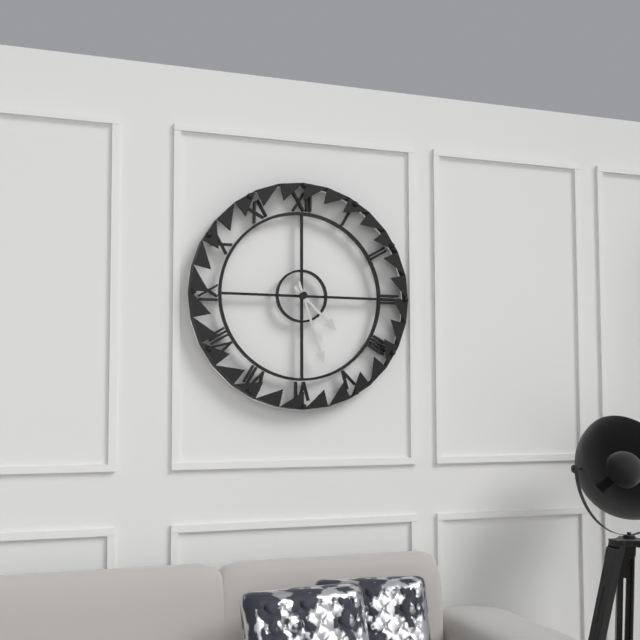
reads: 4,27
